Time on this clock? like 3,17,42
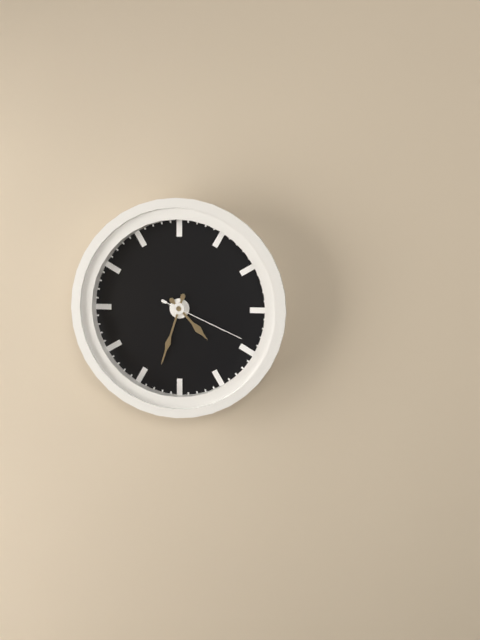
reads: 4,33,19
